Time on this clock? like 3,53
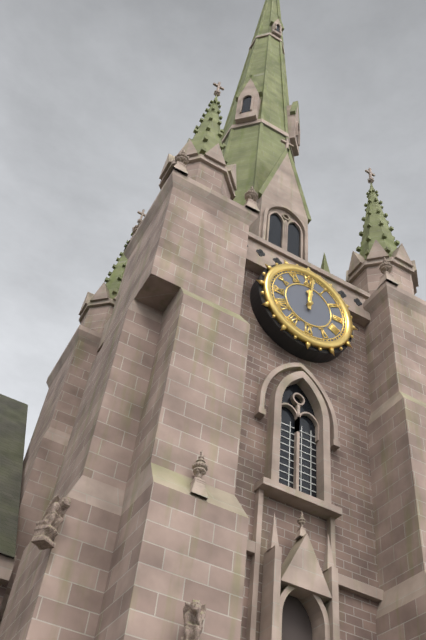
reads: 12,01
